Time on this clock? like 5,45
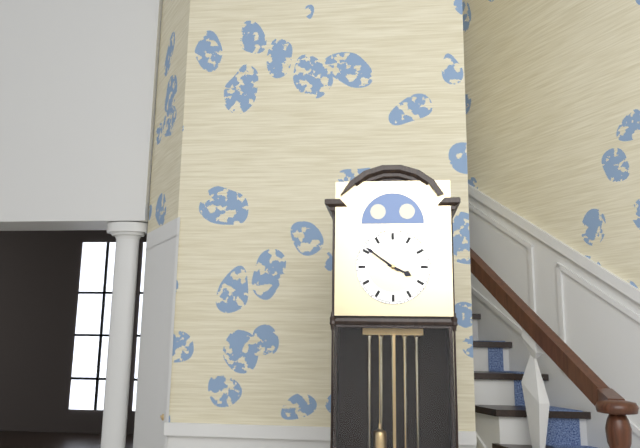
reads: 3,51
